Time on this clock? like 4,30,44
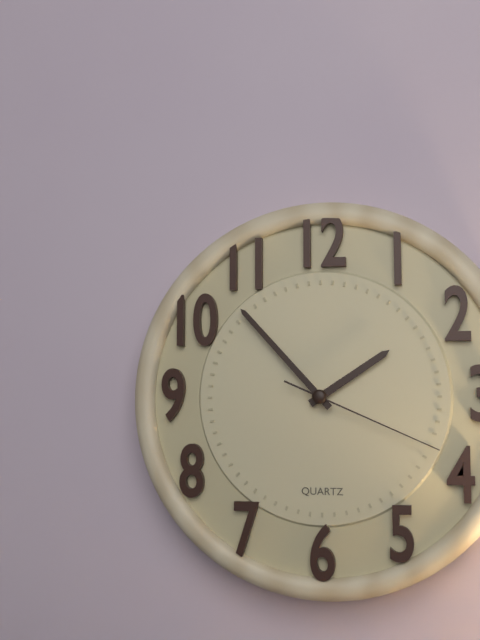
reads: 1,53,19
